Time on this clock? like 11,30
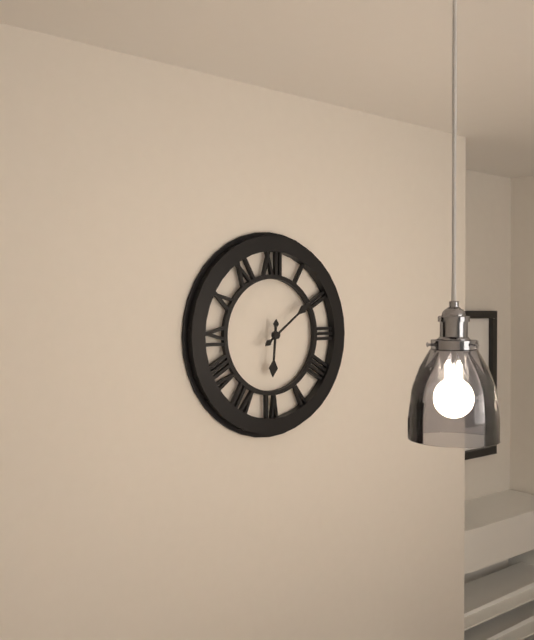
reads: 6,09
